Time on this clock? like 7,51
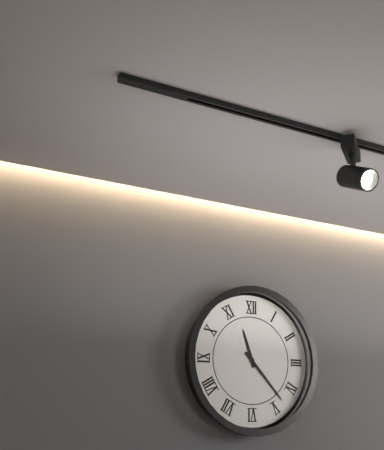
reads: 11,23
